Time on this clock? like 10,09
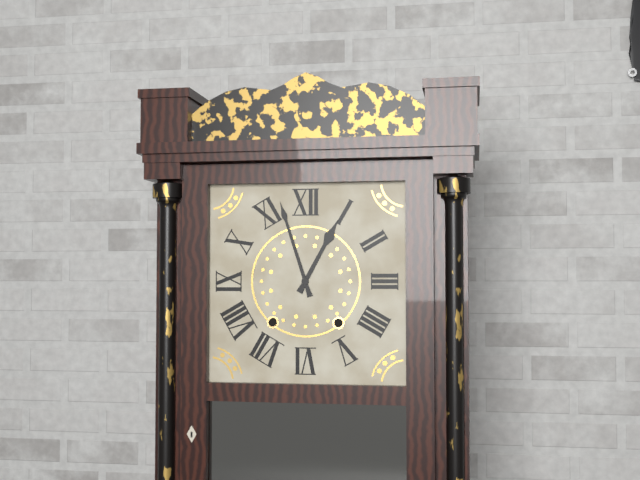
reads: 12,57
